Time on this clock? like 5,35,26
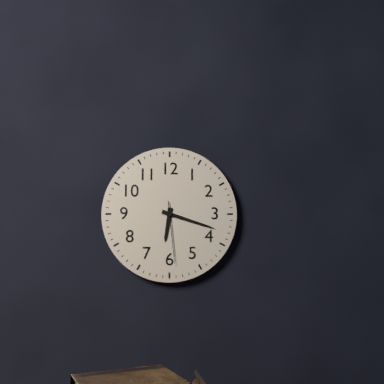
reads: 6,18,29
